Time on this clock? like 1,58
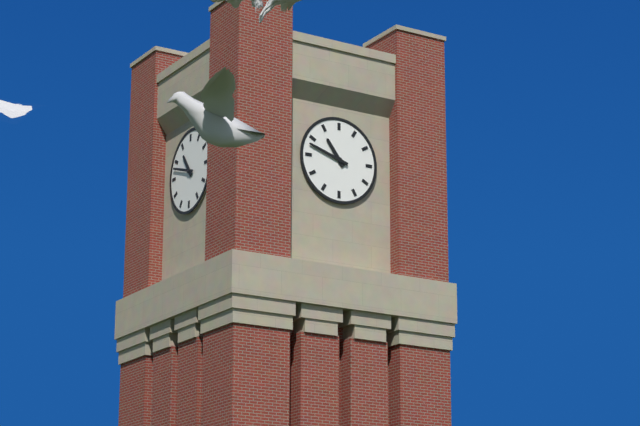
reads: 10,48
